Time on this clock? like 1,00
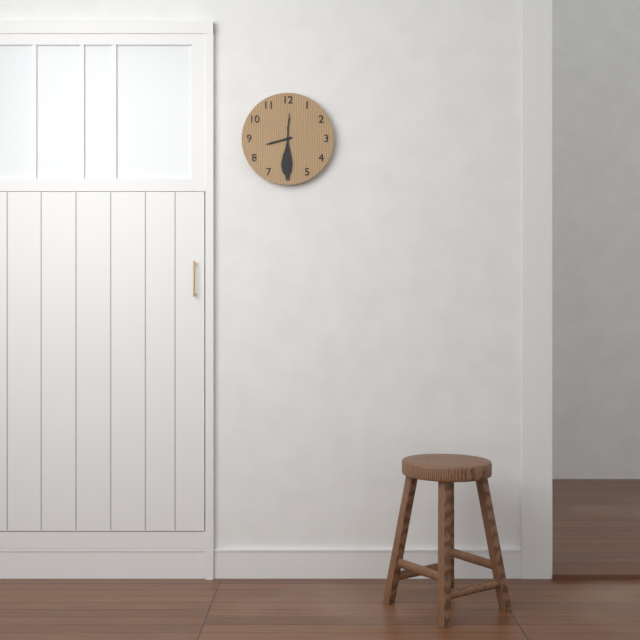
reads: 8,30
